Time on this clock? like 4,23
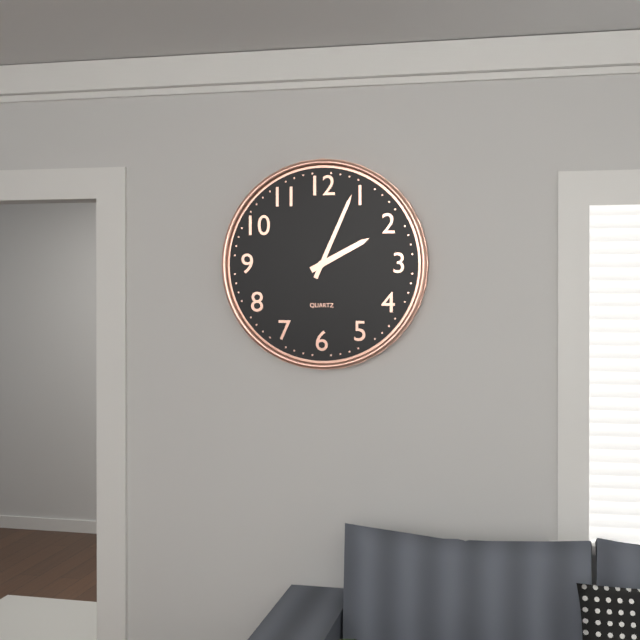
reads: 2,04
